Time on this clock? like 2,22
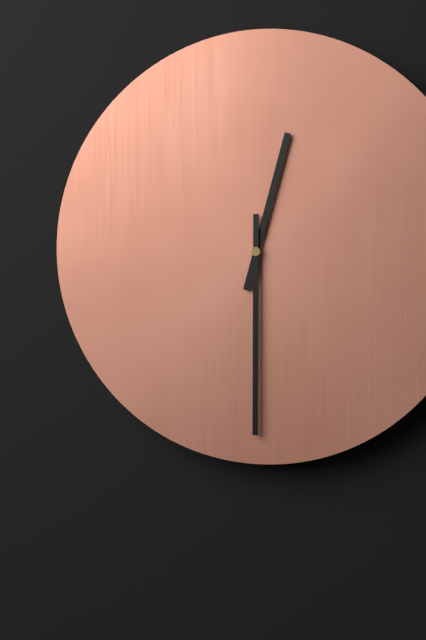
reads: 12,30
